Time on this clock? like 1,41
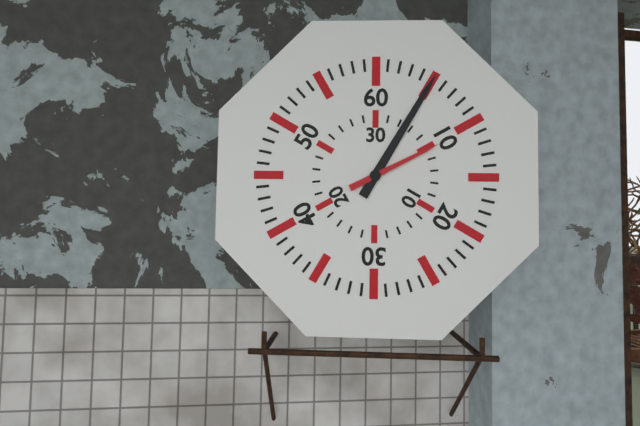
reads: 2,05
